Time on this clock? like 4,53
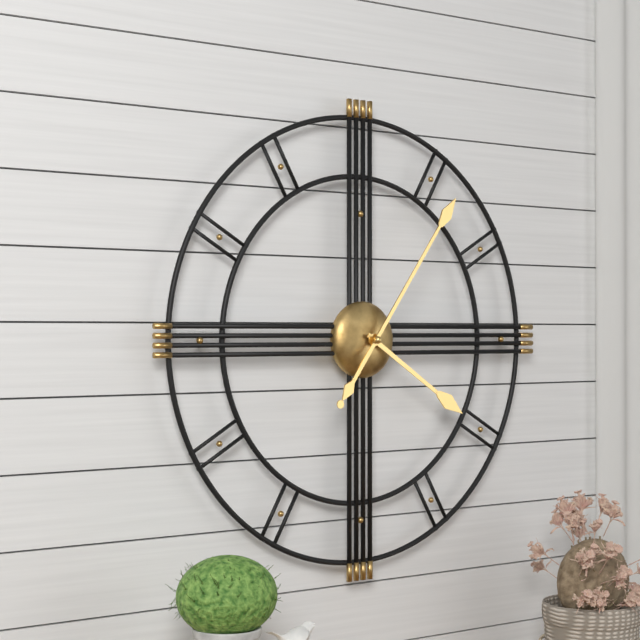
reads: 4,06
